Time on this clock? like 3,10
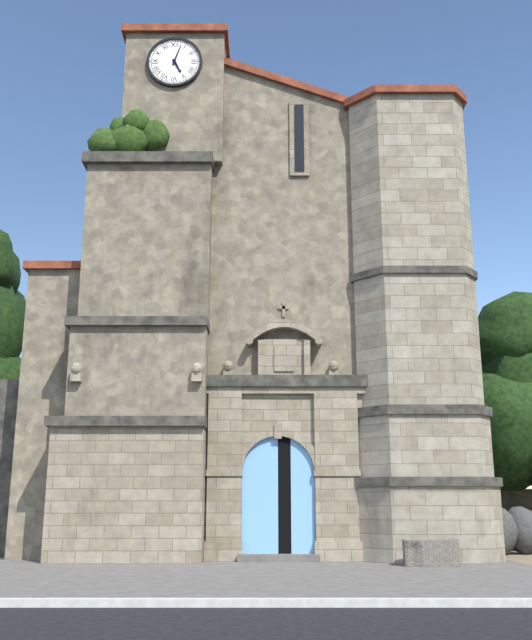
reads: 5,03
